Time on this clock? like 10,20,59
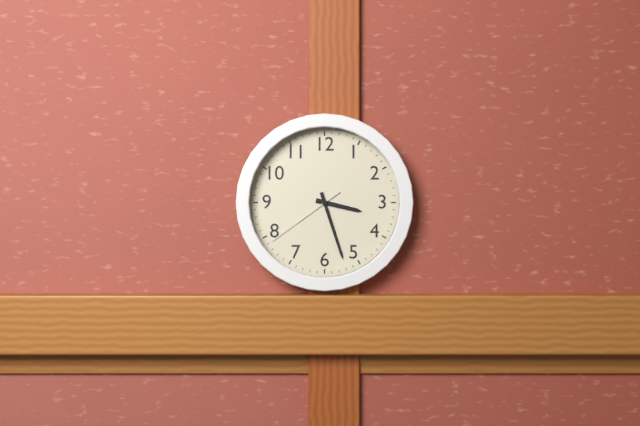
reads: 3,27,39
